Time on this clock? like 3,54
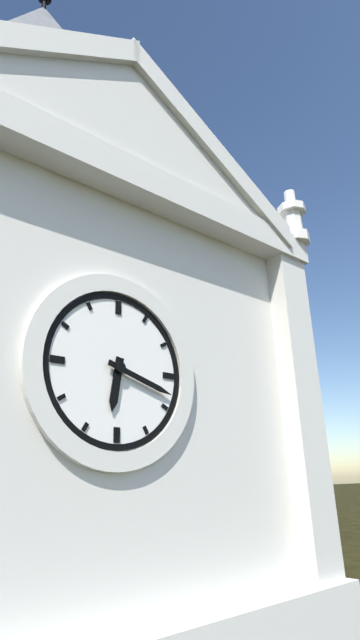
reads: 6,18
